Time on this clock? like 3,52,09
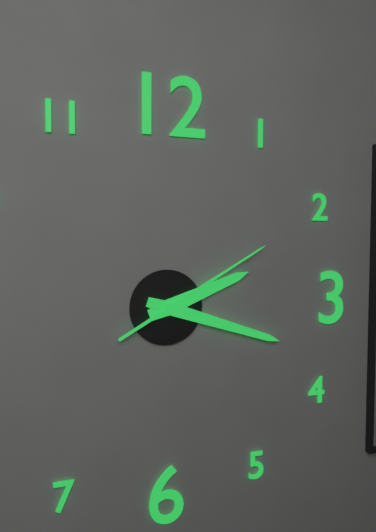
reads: 2,18,10
